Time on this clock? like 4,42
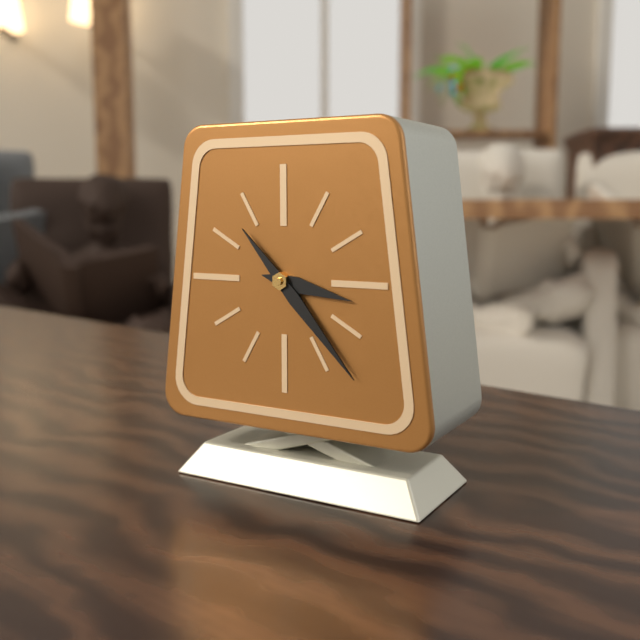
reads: 3,23
